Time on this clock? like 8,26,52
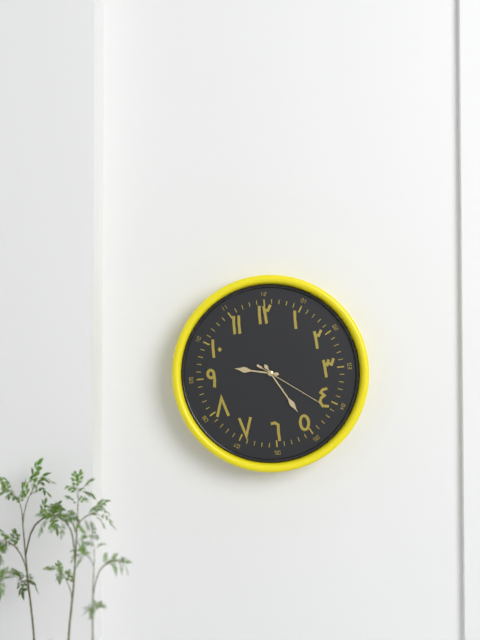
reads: 9,25,21
